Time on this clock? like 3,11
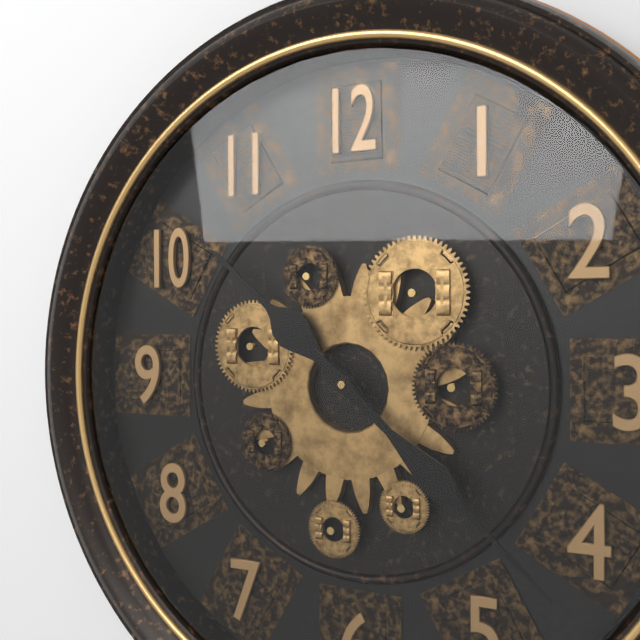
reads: 10,22
